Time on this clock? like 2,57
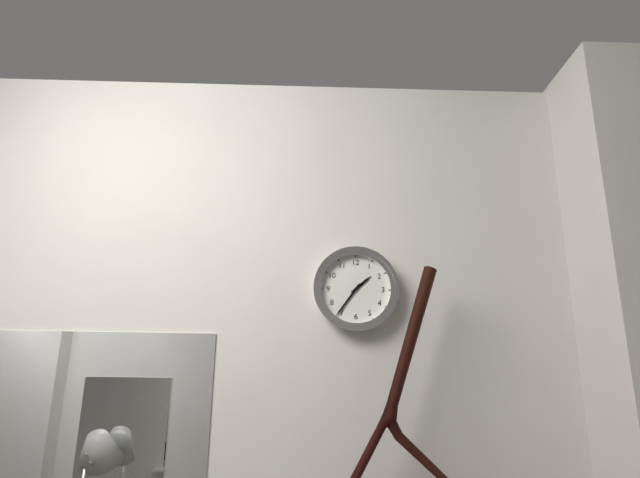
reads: 1,36
